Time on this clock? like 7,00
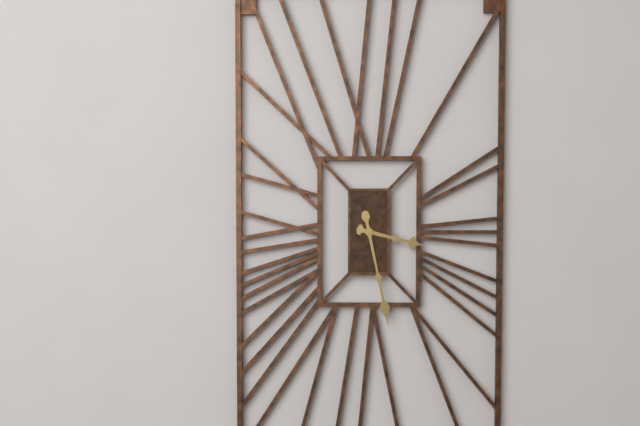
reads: 3,28
